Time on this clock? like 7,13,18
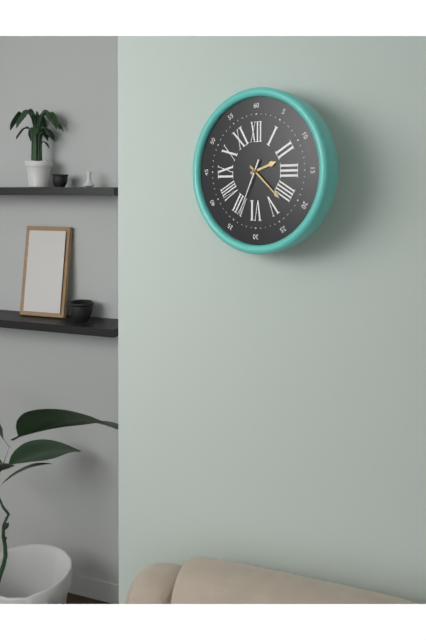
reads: 2,22,34
